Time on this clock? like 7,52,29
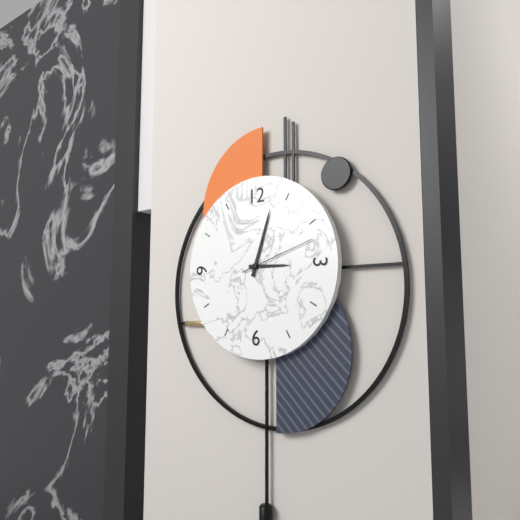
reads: 3,03,12
